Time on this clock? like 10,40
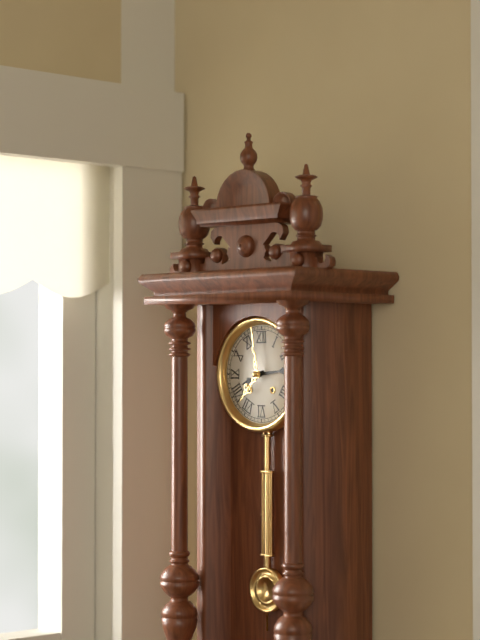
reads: 8,14
